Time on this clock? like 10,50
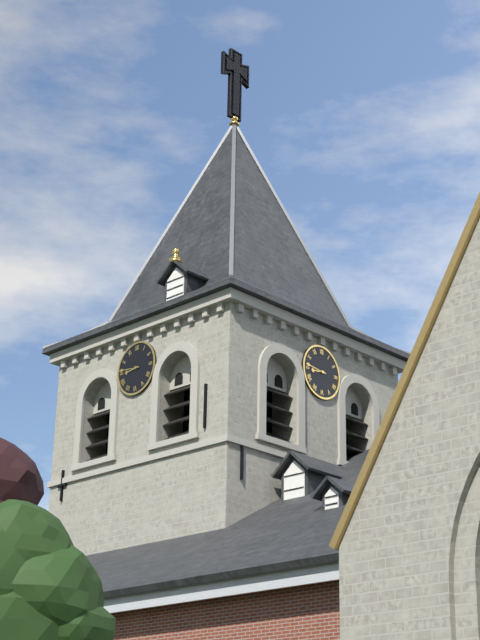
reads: 8,46
